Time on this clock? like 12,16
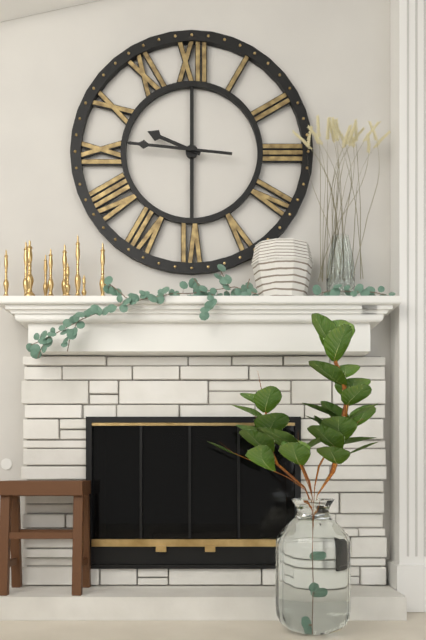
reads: 9,46
